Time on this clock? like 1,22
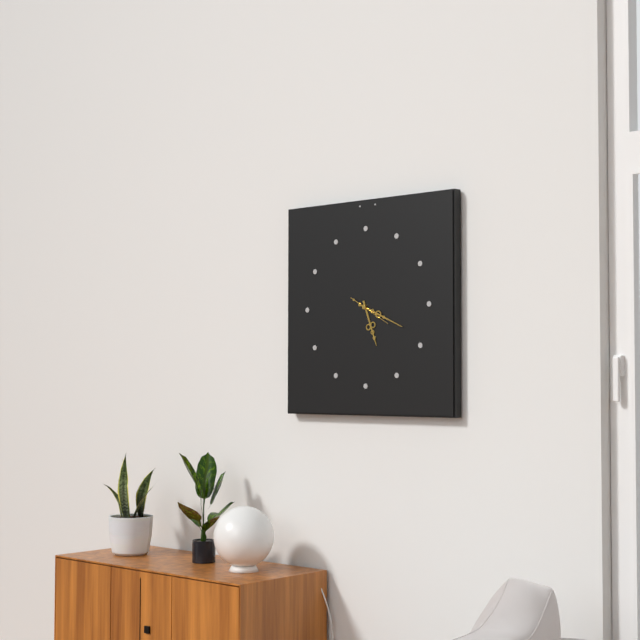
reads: 5,19
